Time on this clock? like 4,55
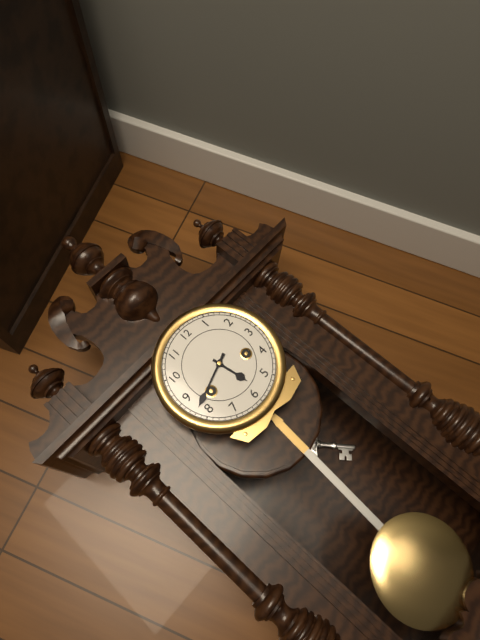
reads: 5,42
